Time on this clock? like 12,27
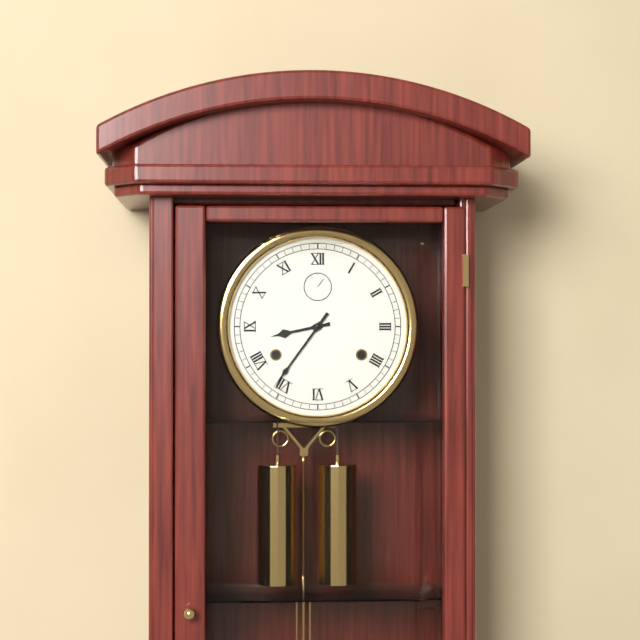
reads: 8,36
